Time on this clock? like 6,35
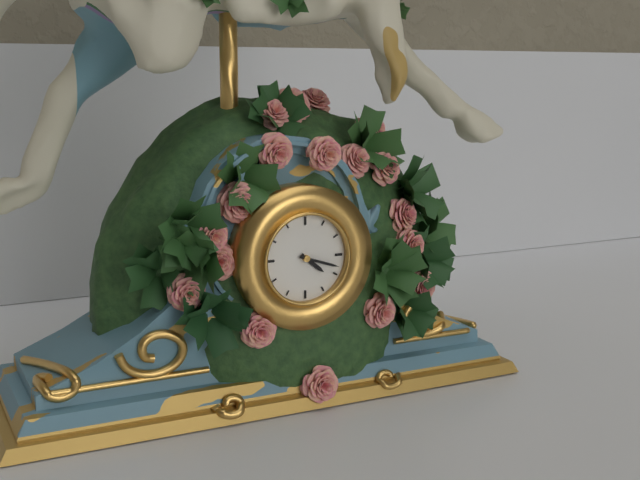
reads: 4,18
